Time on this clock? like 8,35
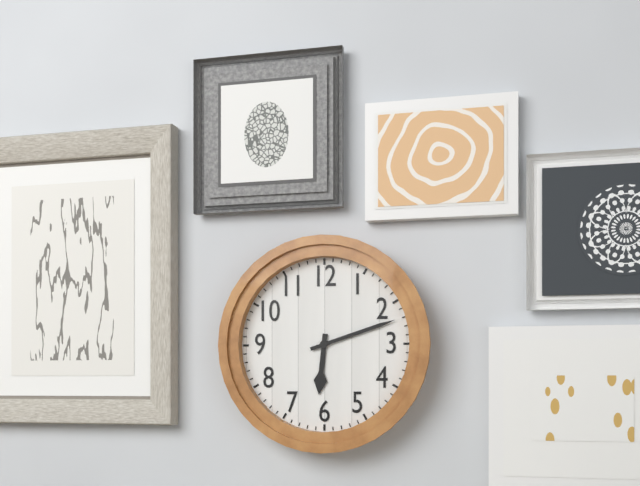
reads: 6,12
